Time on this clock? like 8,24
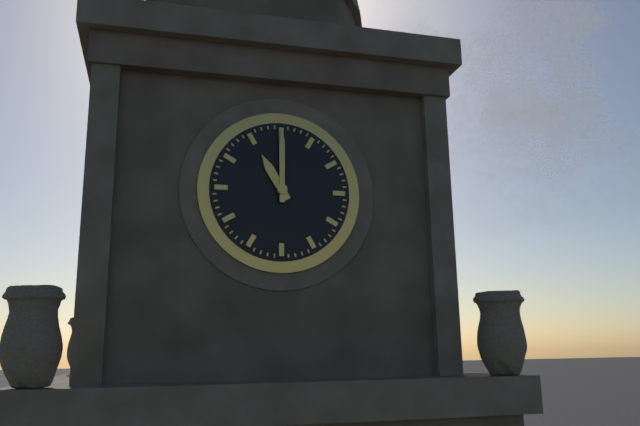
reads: 11,00
